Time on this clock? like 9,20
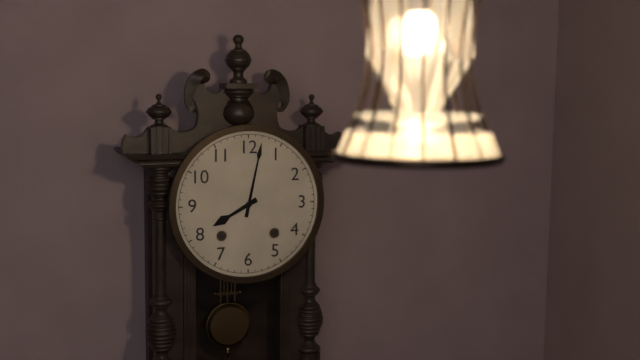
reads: 8,02
